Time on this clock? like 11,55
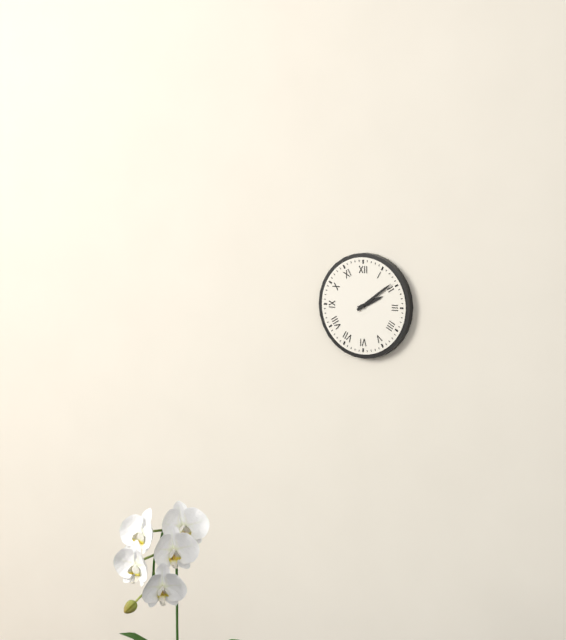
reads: 2,09
